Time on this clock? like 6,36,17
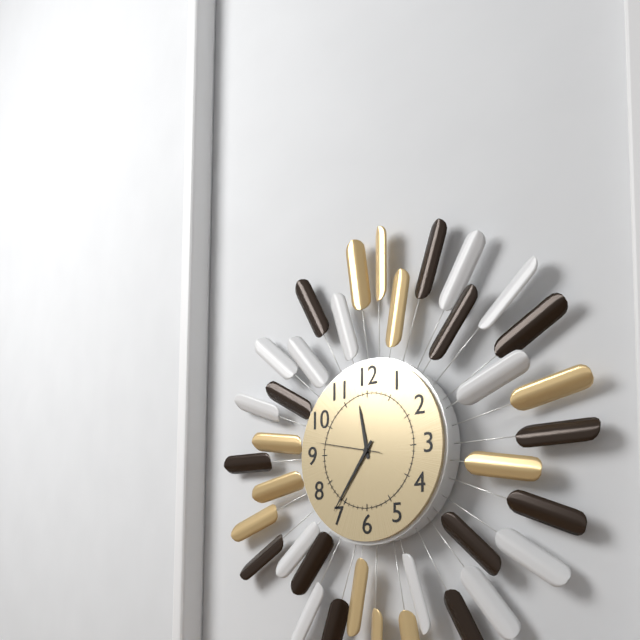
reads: 11,36,47
